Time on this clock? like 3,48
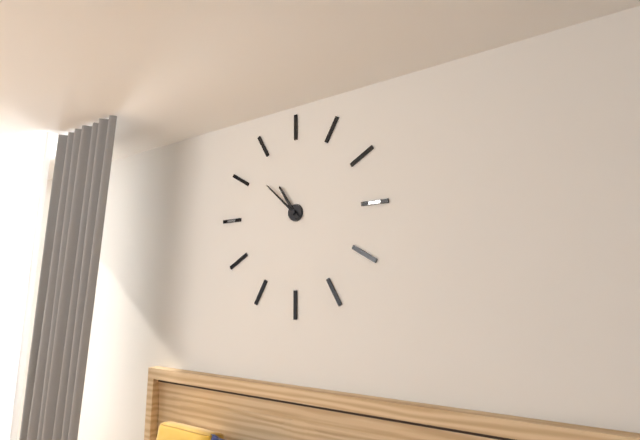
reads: 10,52
